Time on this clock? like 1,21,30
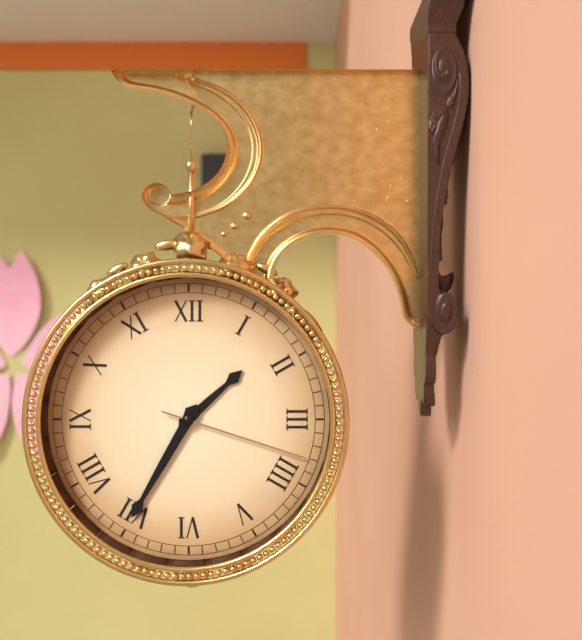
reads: 1,35,18
